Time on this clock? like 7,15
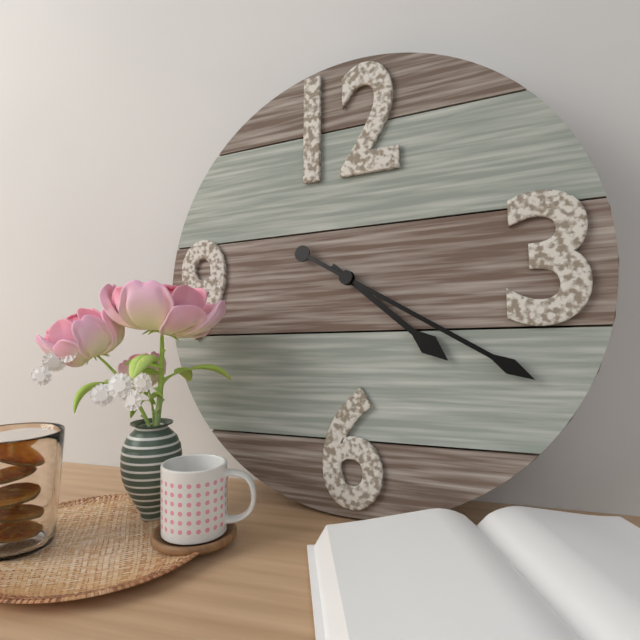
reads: 4,20
